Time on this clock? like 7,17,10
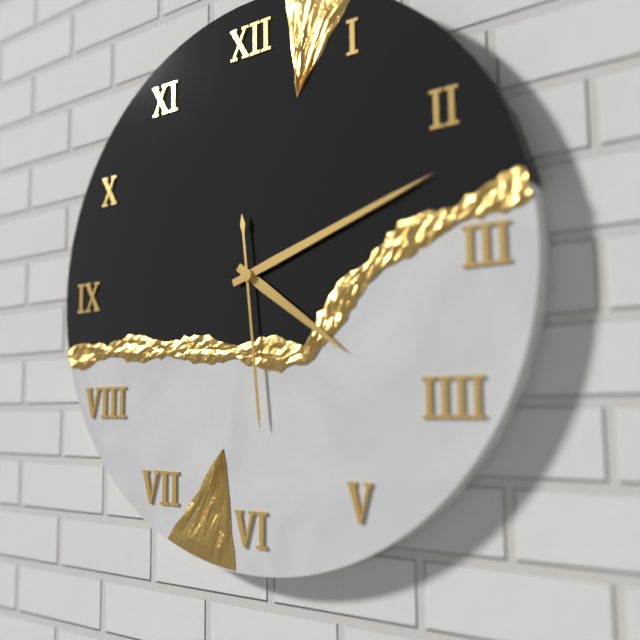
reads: 4,12,29
